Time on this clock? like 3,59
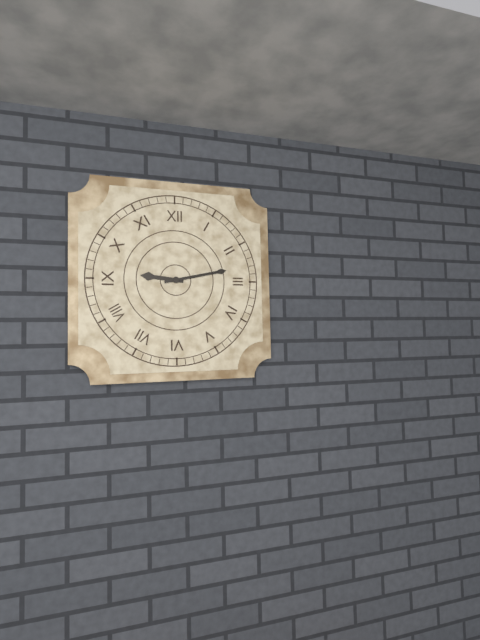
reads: 9,13
